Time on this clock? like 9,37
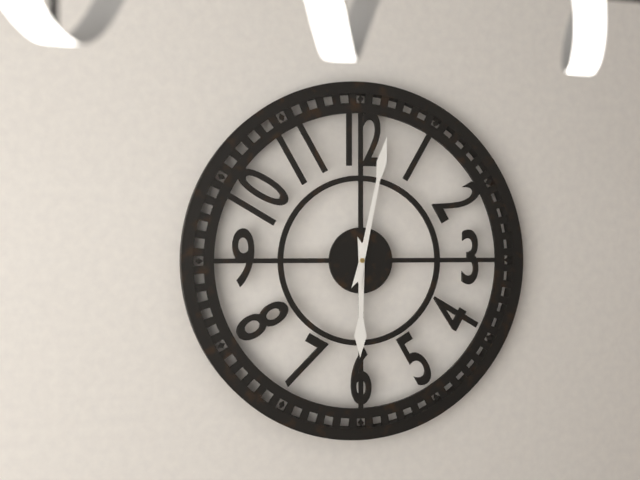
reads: 6,02
